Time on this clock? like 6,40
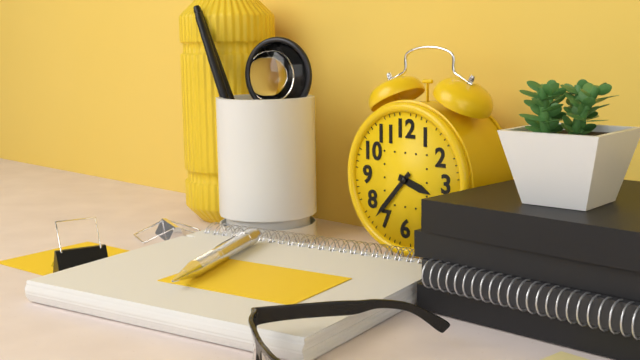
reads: 3,37
